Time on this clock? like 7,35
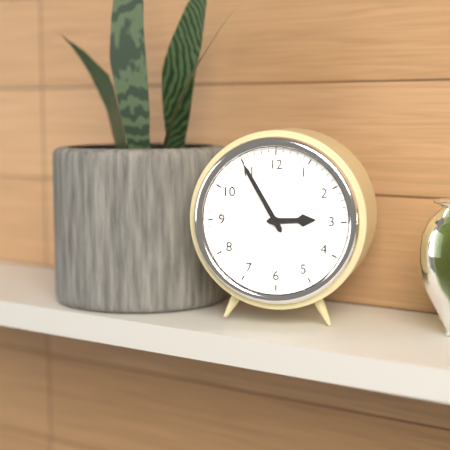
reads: 2,55
